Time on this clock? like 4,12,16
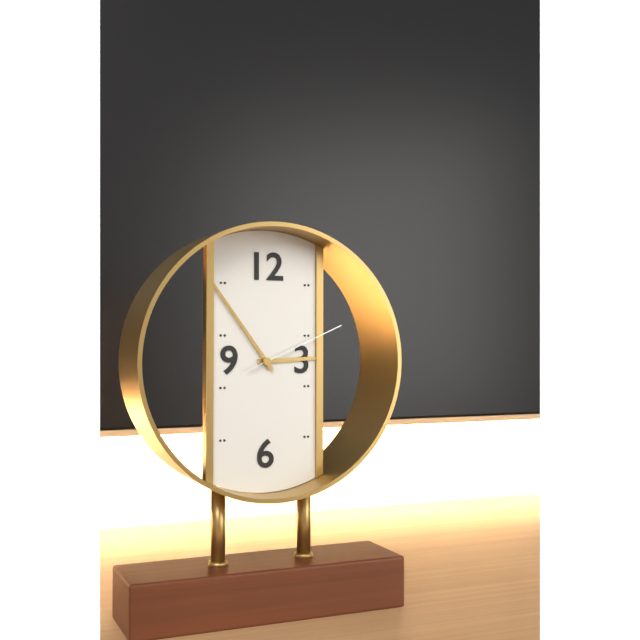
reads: 2,54,11
